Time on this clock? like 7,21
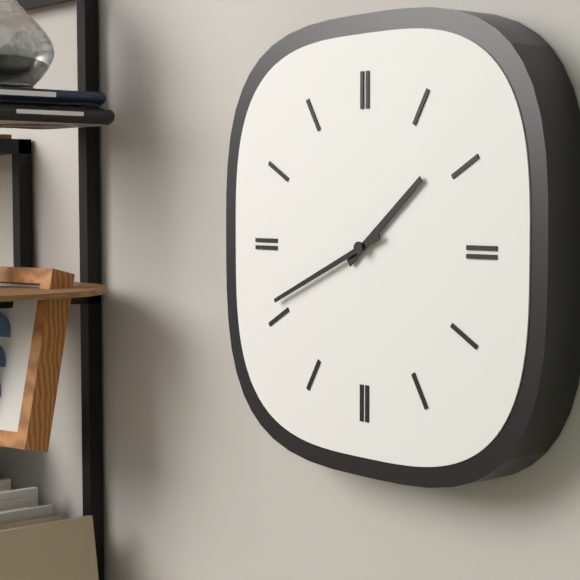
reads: 1,41
